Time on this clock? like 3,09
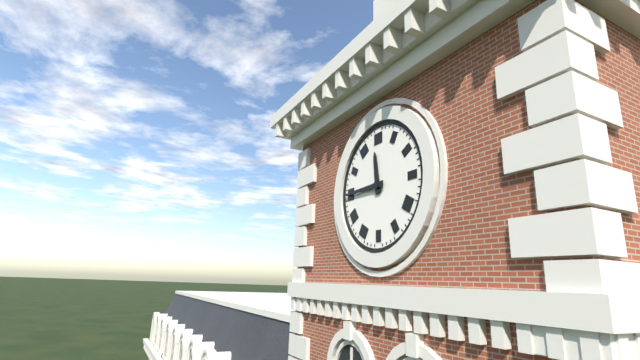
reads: 11,45
